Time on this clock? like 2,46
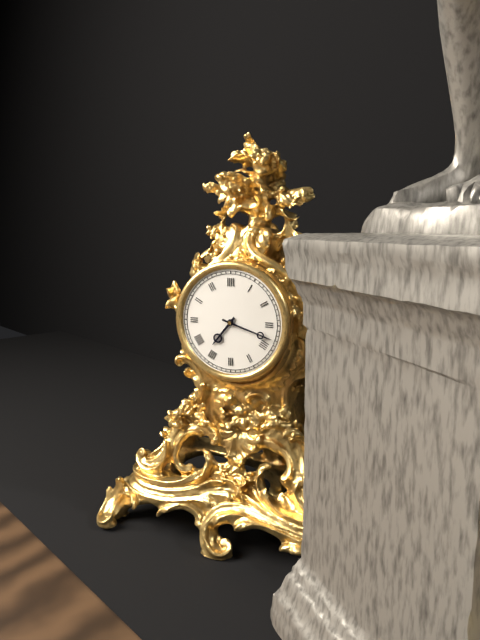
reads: 7,18
